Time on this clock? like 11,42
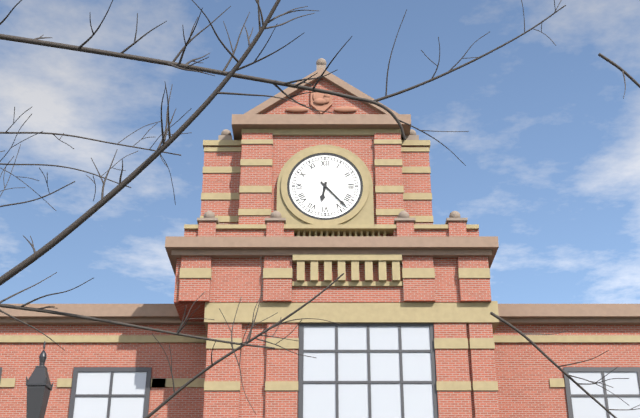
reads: 6,23
